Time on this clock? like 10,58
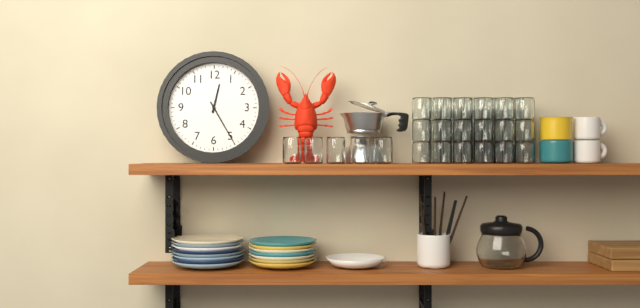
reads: 12,25
